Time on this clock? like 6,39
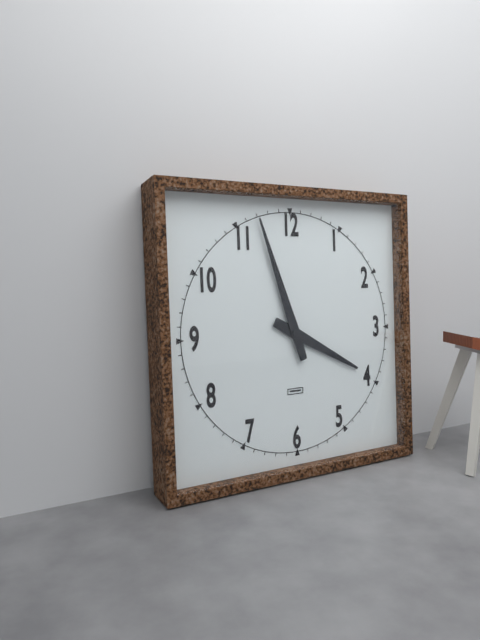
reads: 3,57
